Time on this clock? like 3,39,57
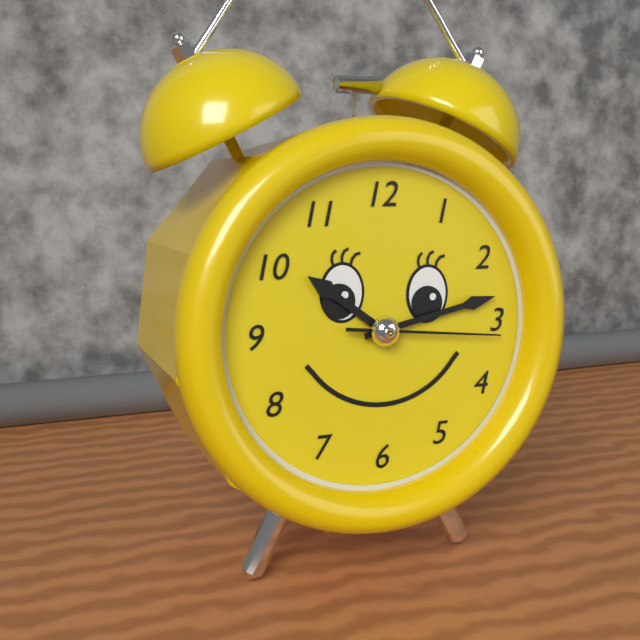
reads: 10,13,16
